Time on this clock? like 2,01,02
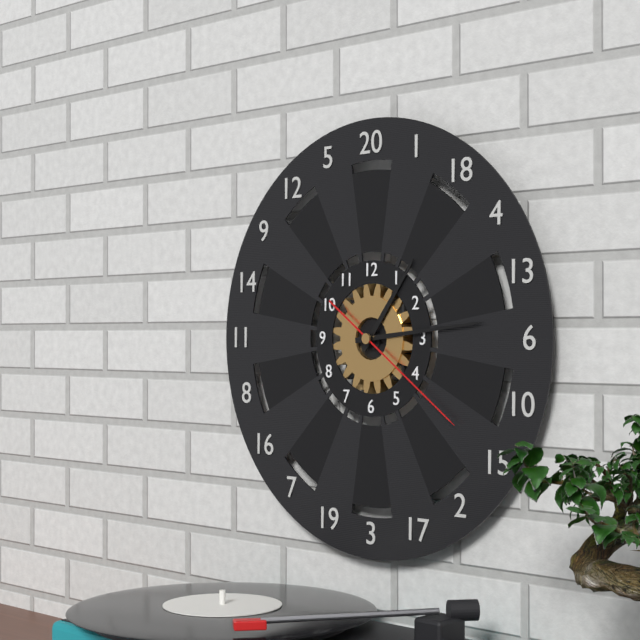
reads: 1,14,21
